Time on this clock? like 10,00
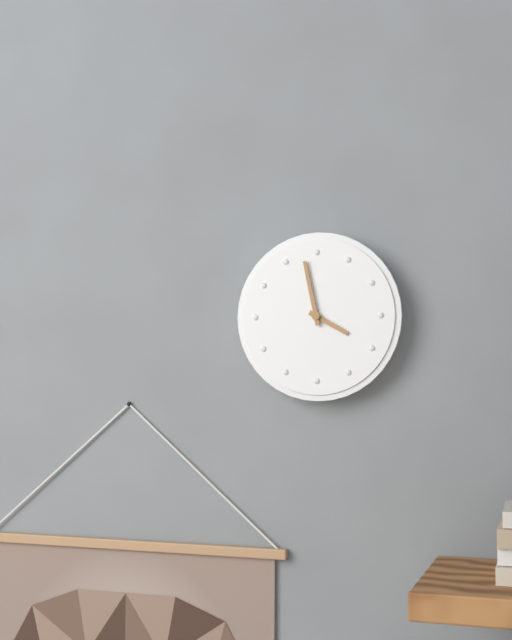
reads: 3,58
